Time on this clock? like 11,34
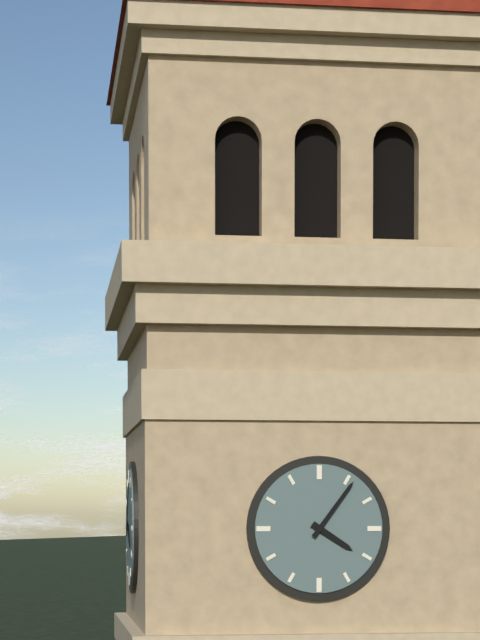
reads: 4,06
